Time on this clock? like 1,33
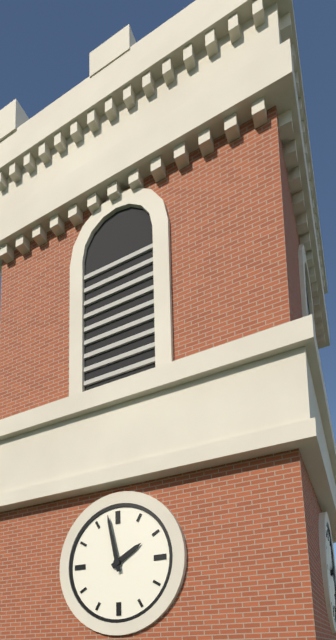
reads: 1,58
